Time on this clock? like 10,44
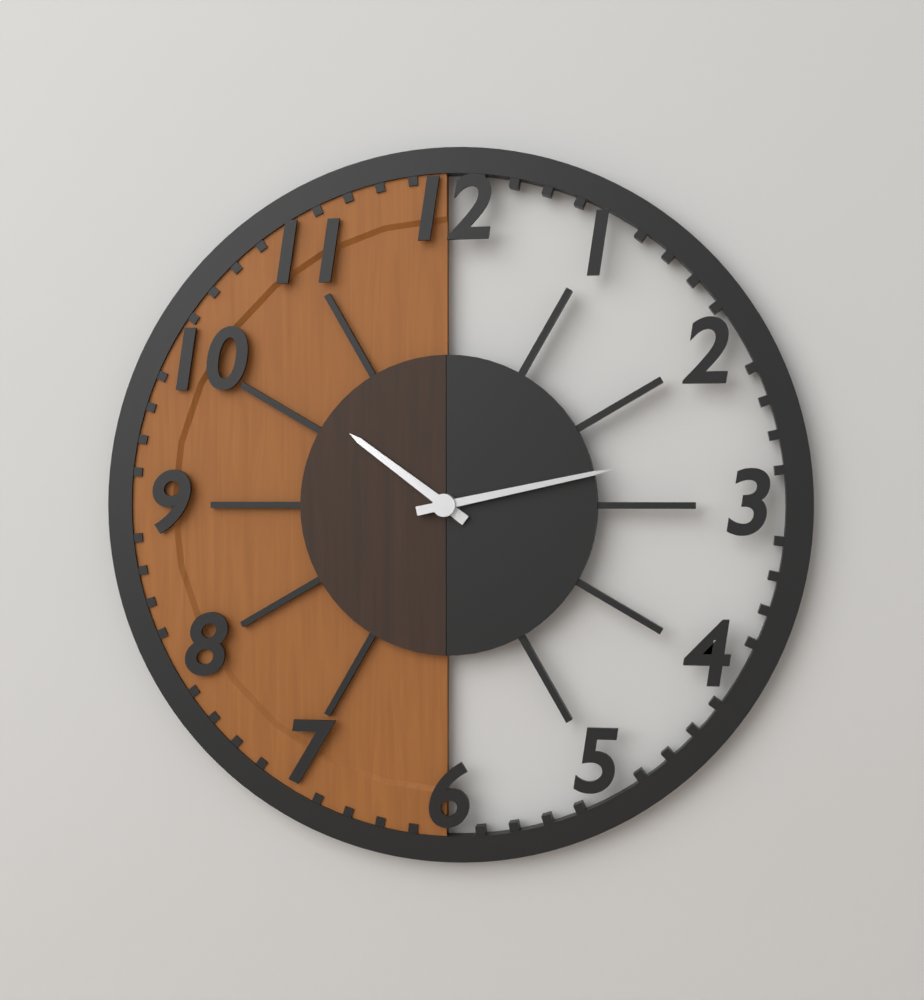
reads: 10,13
